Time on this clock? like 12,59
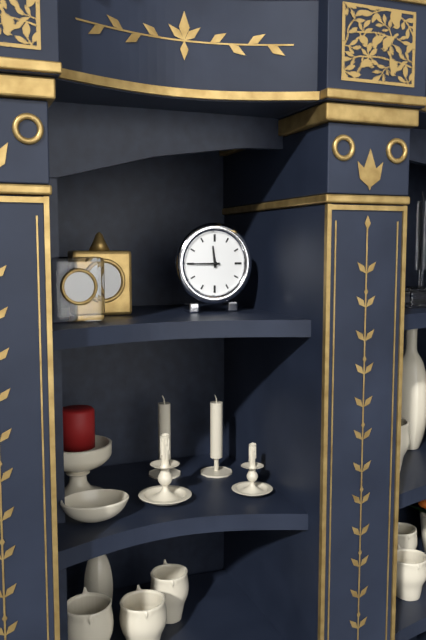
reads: 11,45
